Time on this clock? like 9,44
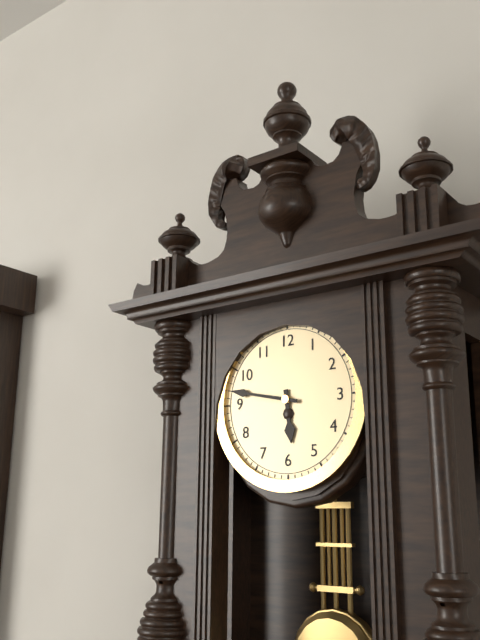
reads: 5,47
